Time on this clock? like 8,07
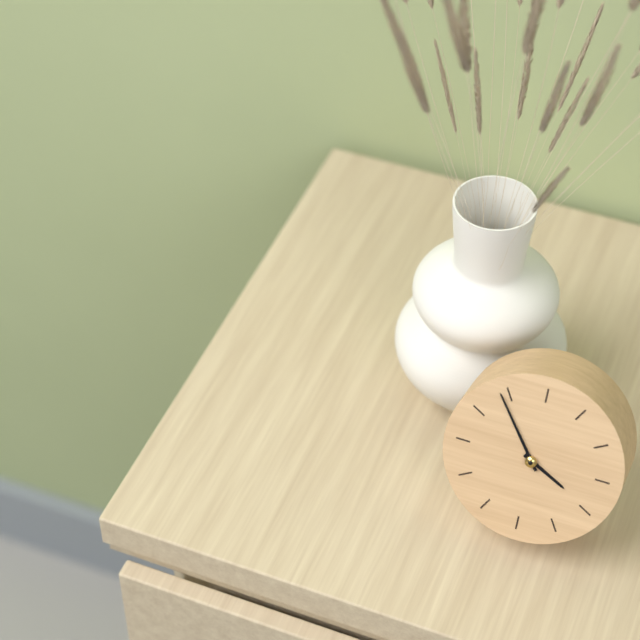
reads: 3,54
